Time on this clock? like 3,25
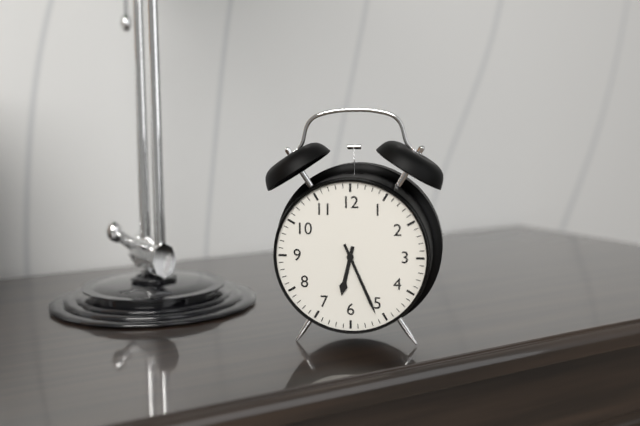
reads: 6,26
